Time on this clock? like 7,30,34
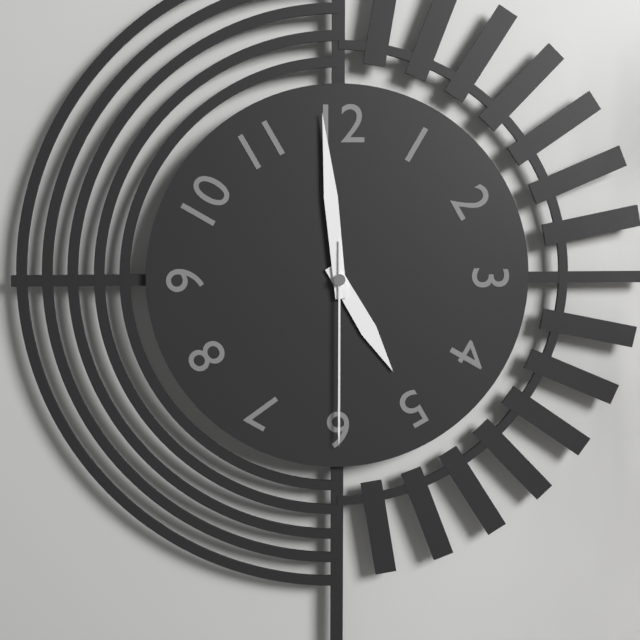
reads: 4,59,30
